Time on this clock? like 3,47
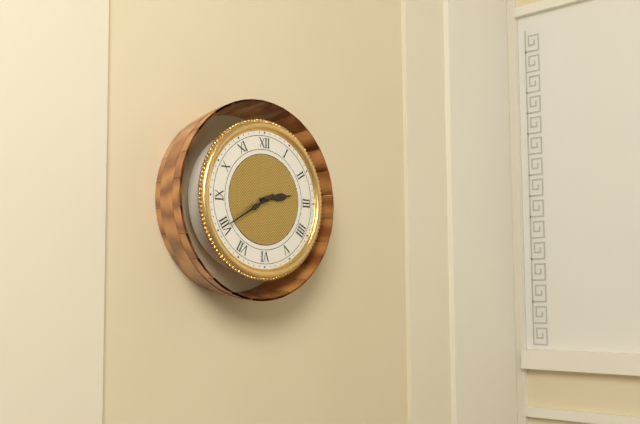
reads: 2,40
